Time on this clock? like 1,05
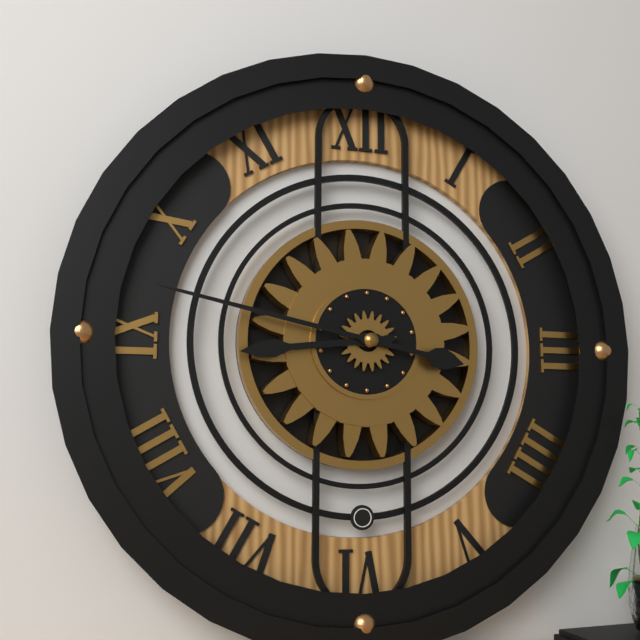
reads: 8,47
